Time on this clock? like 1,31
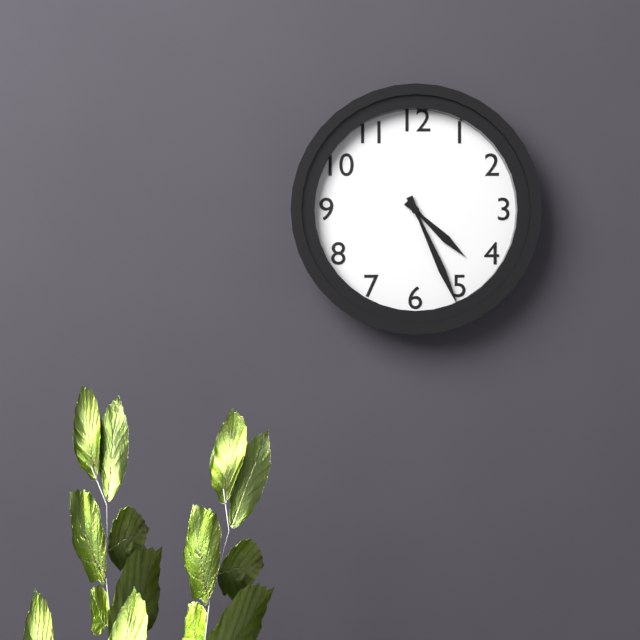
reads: 4,26
